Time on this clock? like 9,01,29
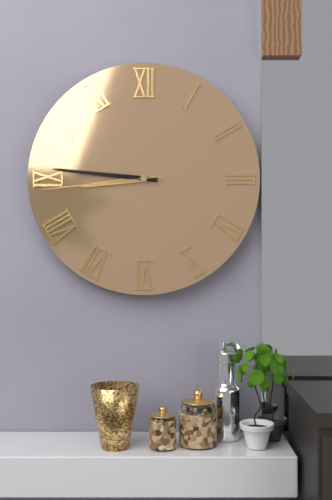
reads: 8,46,44
